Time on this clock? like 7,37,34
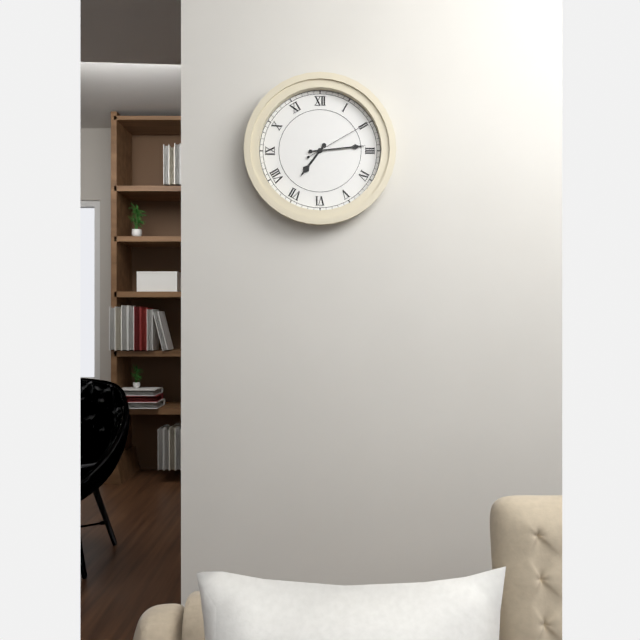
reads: 7,14,10
